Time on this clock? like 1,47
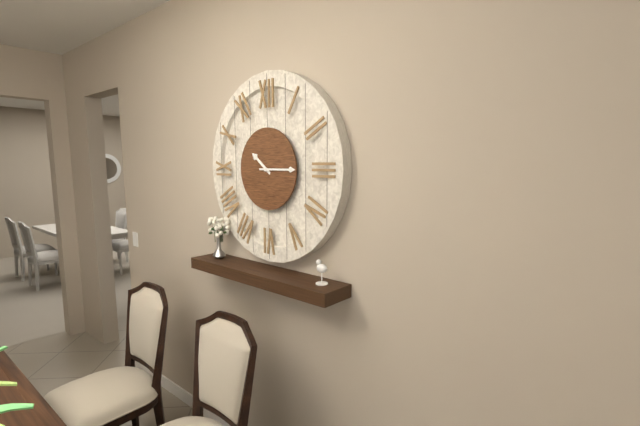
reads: 10,15
